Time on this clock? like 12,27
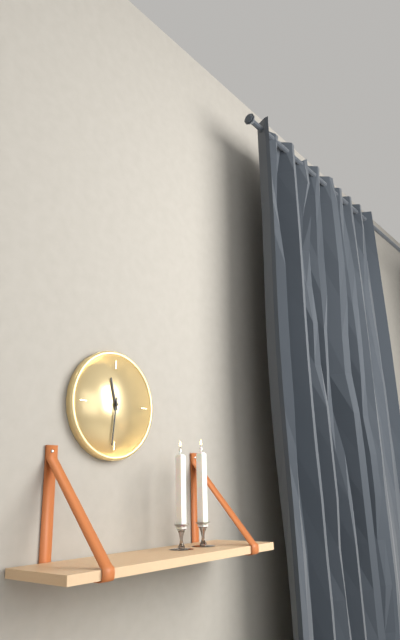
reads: 11,31
